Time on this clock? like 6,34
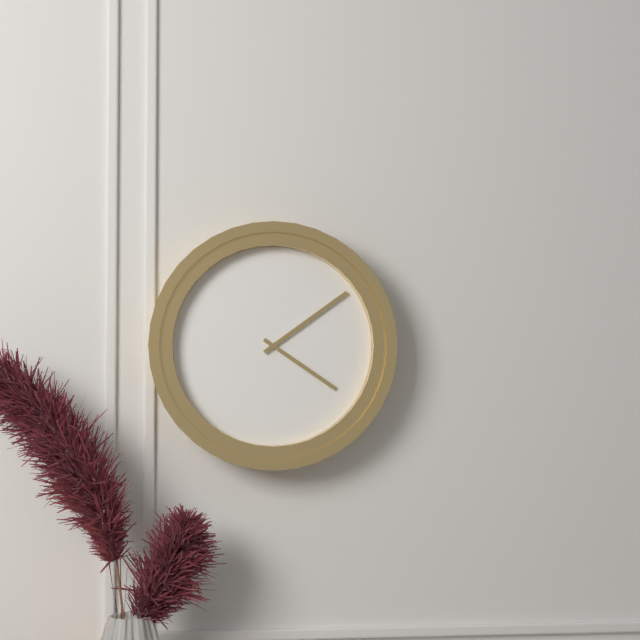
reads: 4,09
